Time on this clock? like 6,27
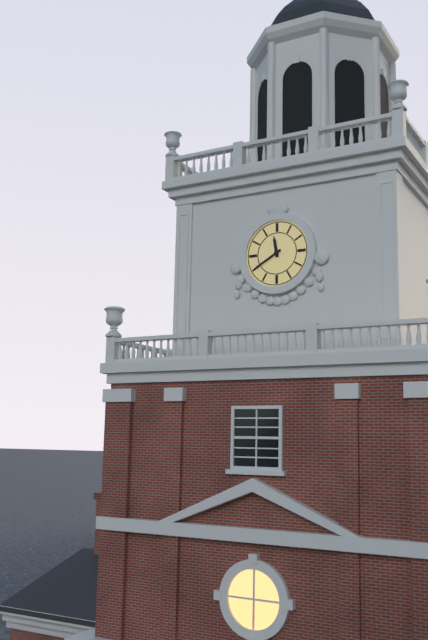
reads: 11,40
